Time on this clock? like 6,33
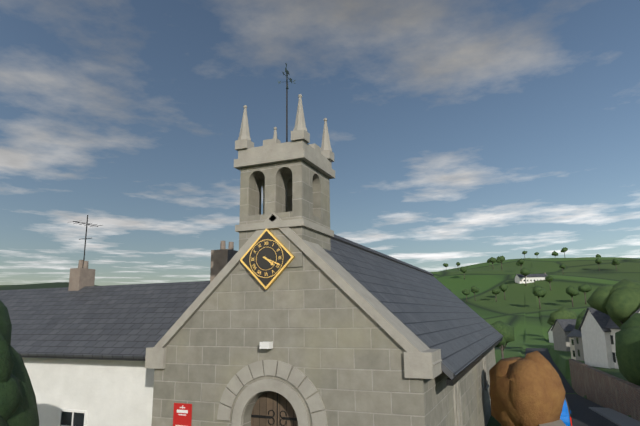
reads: 4,19
